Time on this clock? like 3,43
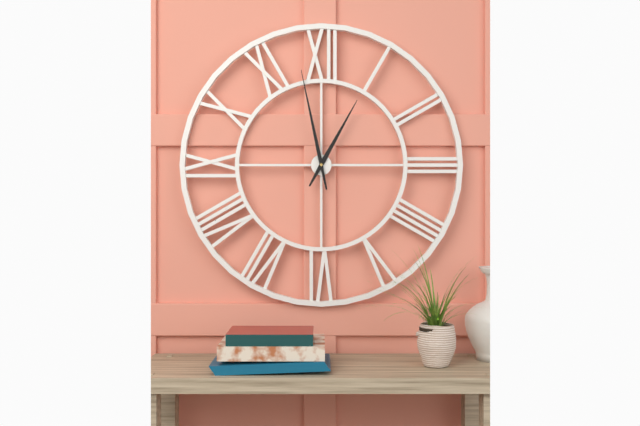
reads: 12,58
